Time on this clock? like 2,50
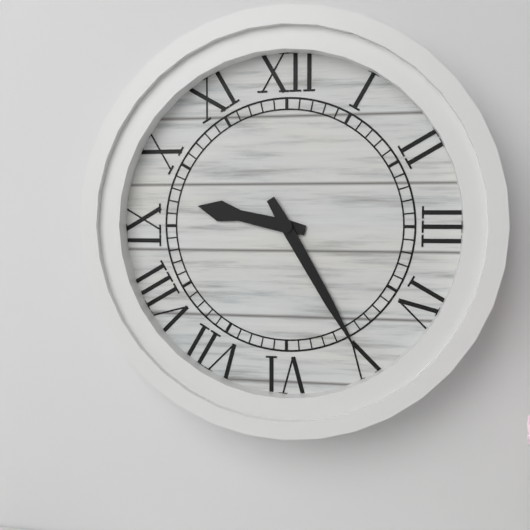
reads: 9,25
